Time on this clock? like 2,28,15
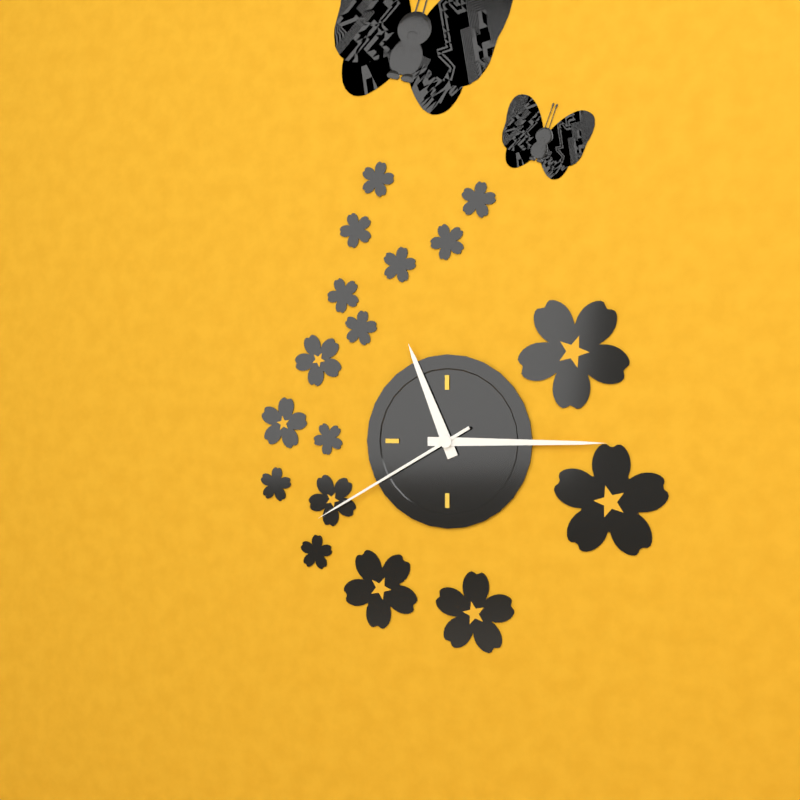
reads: 11,15,40
